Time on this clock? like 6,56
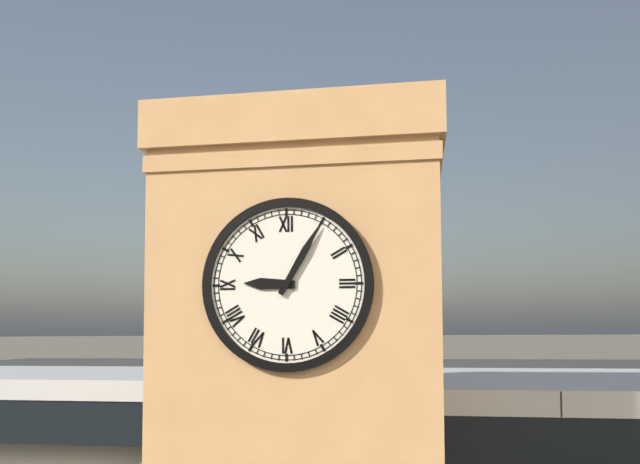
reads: 9,05
